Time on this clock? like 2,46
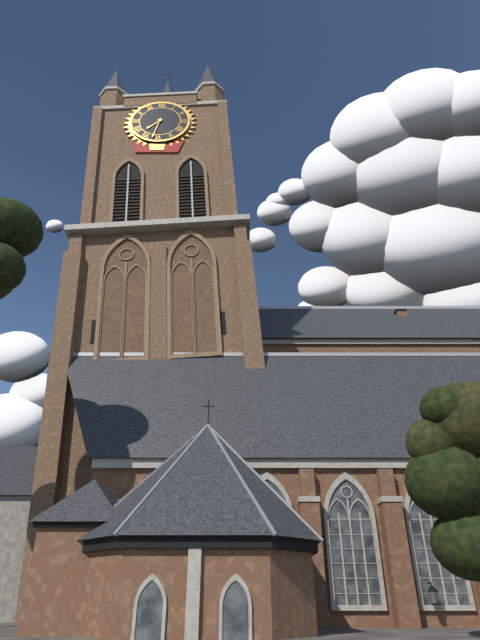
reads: 7,32
